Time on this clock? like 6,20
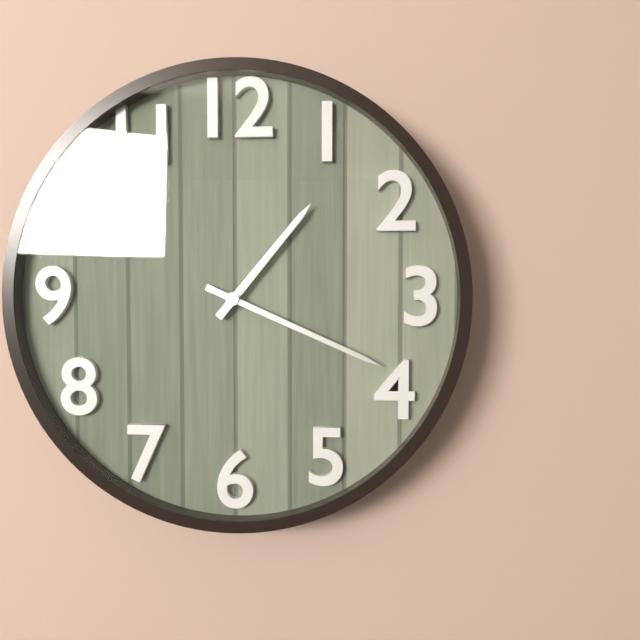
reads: 1,19
